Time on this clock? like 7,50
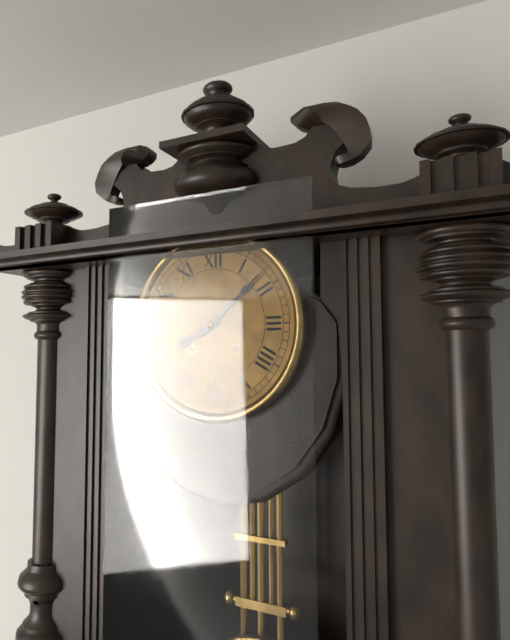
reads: 8,08
